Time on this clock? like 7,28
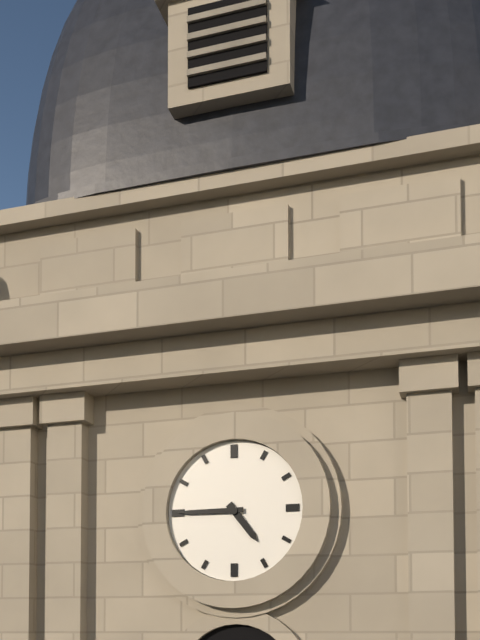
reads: 4,45
